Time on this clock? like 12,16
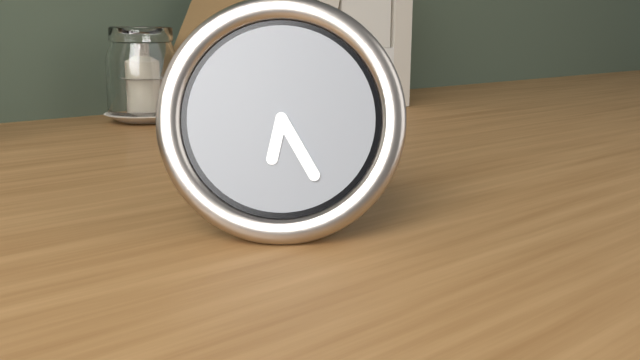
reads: 6,25
